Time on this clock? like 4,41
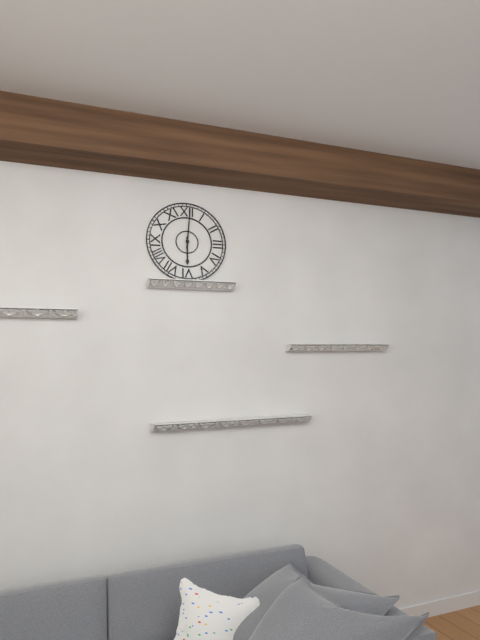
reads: 6,01
